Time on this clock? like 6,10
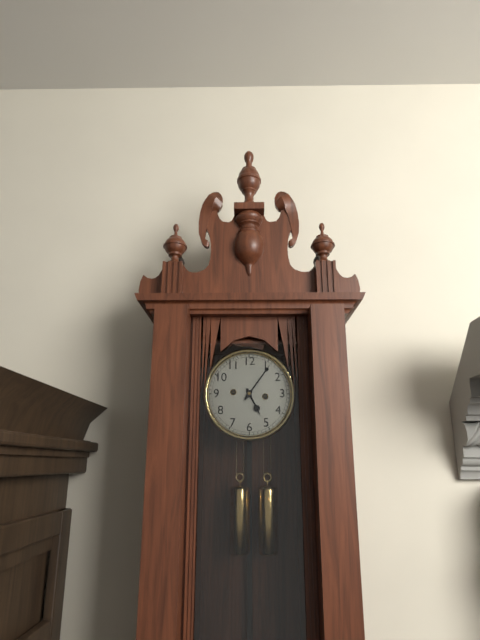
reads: 5,06
